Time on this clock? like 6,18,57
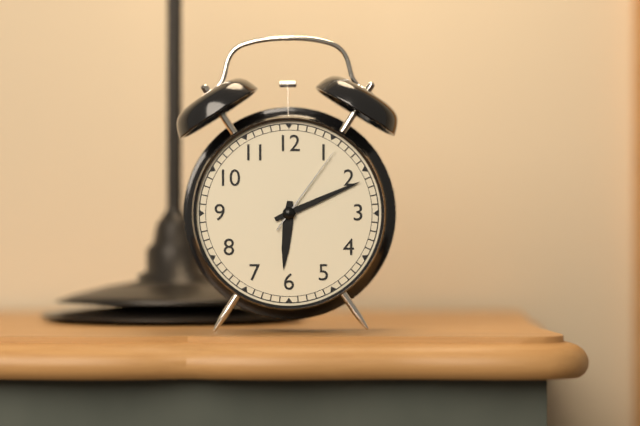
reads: 6,11,06
